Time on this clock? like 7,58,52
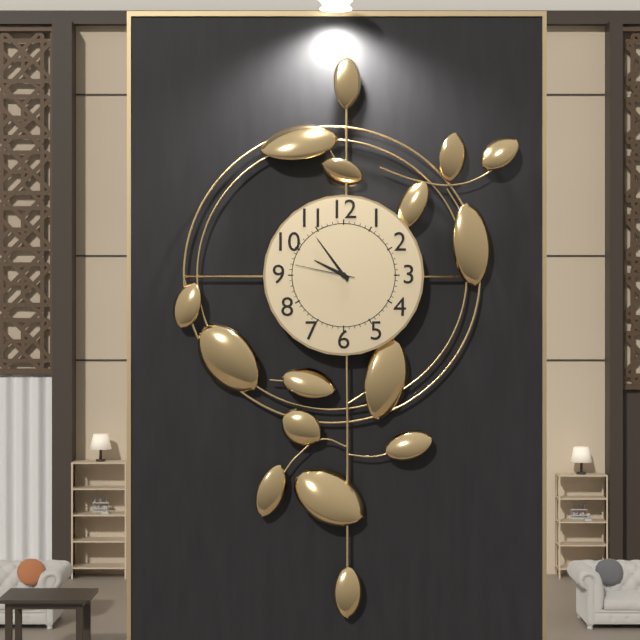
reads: 9,54,47
